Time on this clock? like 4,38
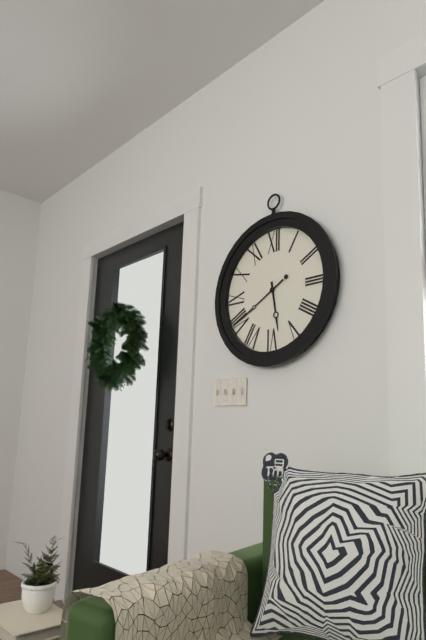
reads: 5,40
